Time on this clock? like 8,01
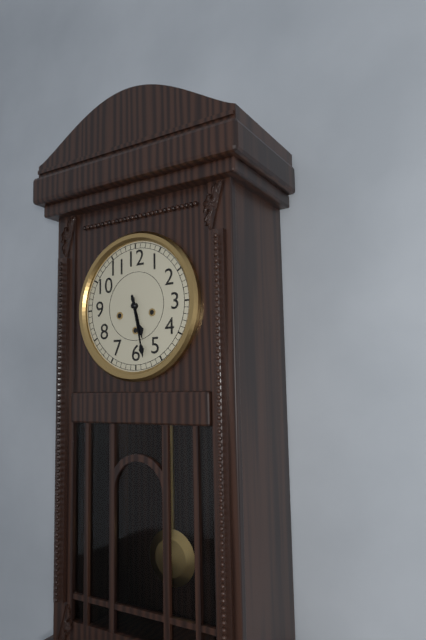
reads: 5,28
